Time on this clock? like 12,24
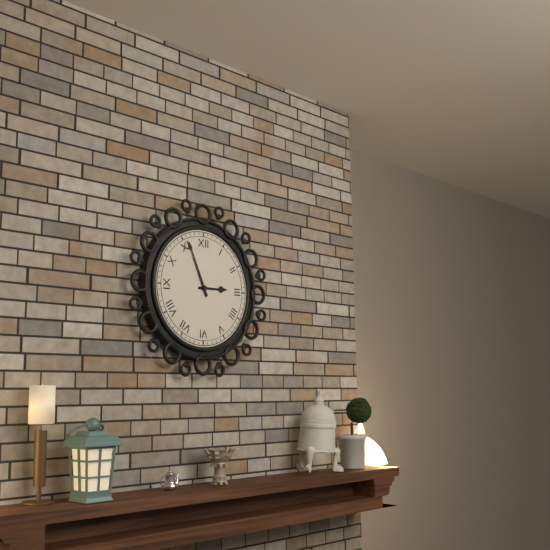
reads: 2,56
